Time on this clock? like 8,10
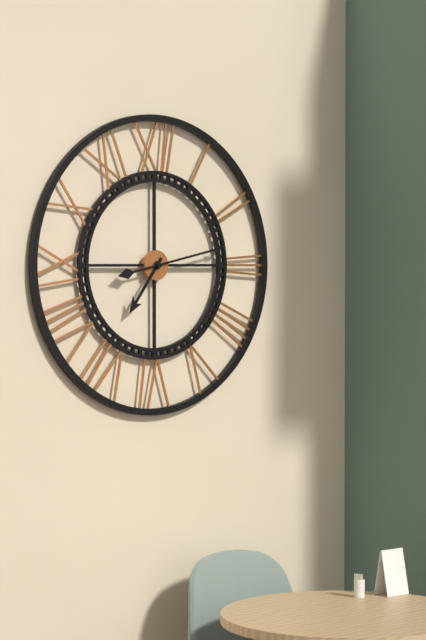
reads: 7,13
